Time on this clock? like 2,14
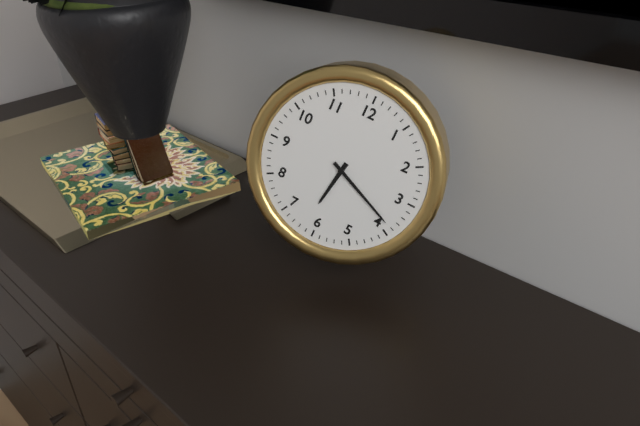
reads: 6,19
